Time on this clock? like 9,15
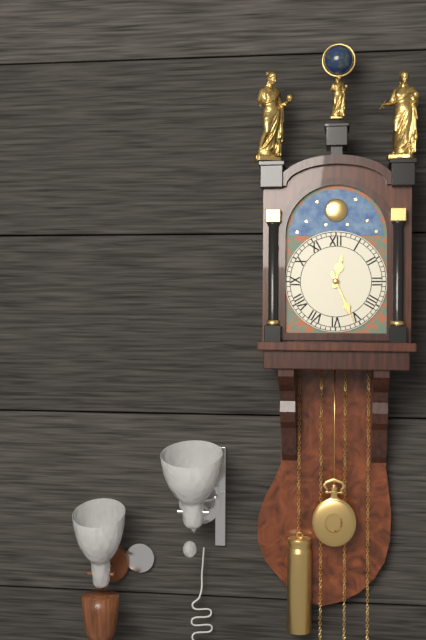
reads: 12,26
